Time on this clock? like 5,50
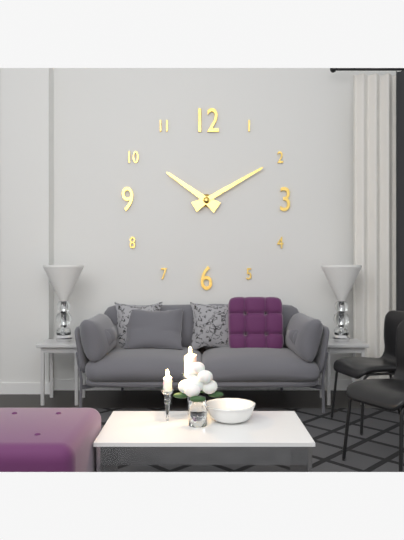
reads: 10,10
